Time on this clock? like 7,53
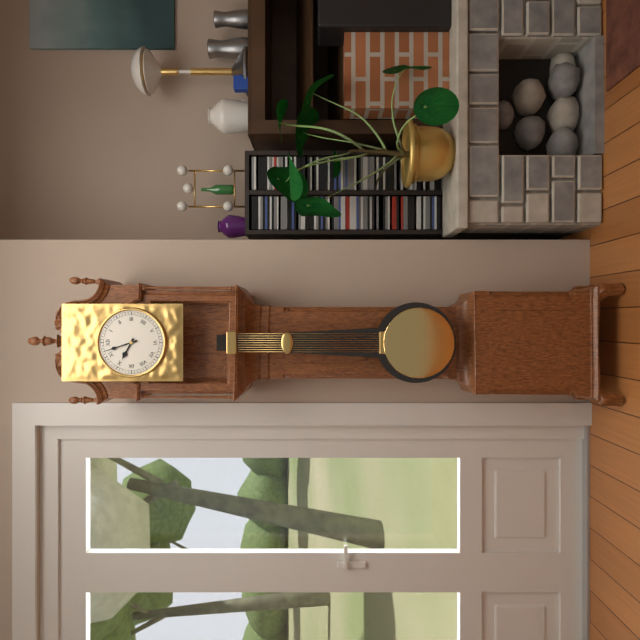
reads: 9,57
